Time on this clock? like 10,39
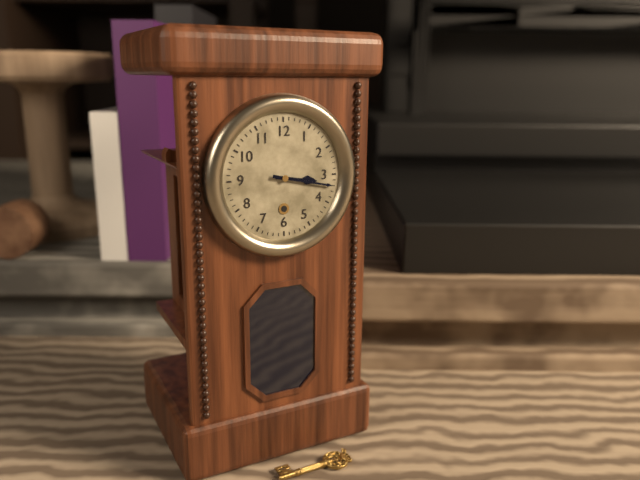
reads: 3,17
